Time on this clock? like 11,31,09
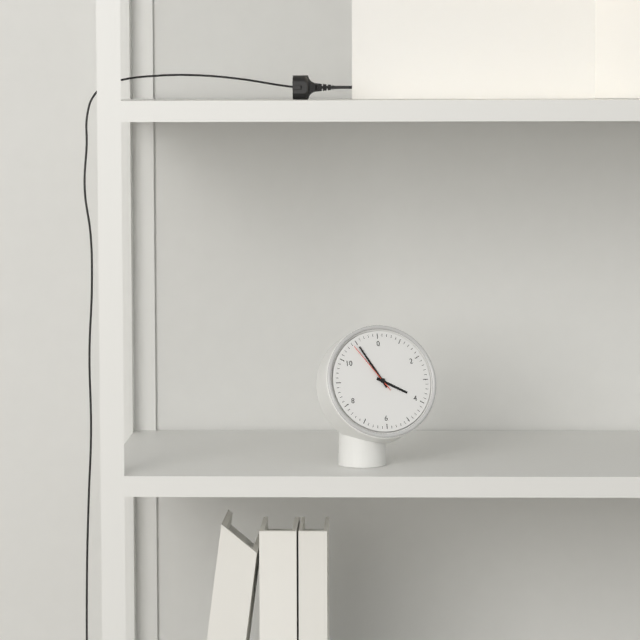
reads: 3,55,54
